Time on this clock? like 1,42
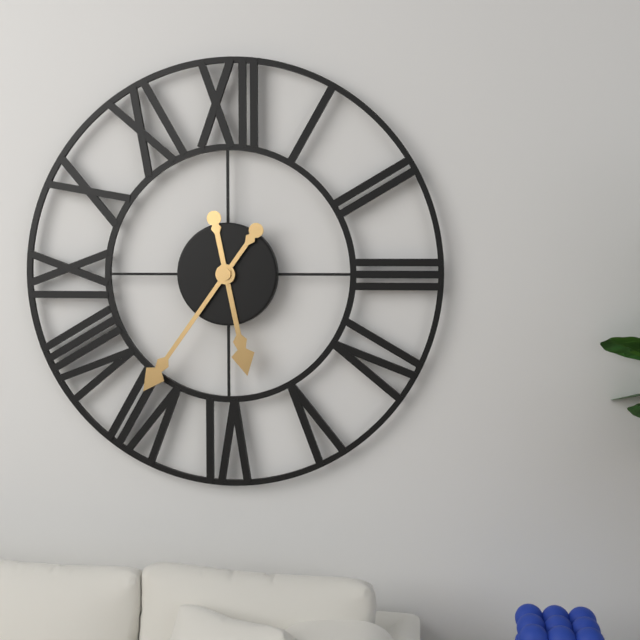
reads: 5,36
